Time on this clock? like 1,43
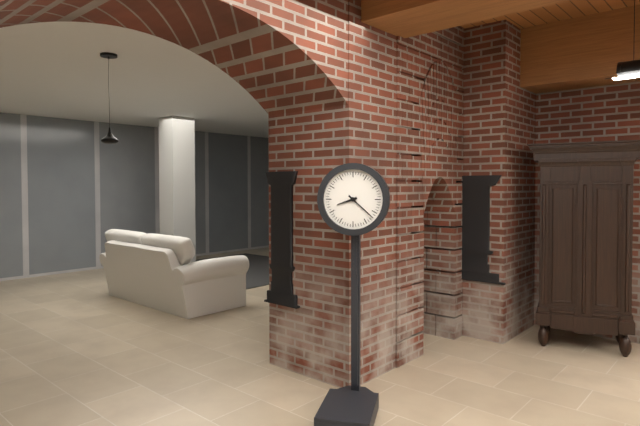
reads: 8,22
